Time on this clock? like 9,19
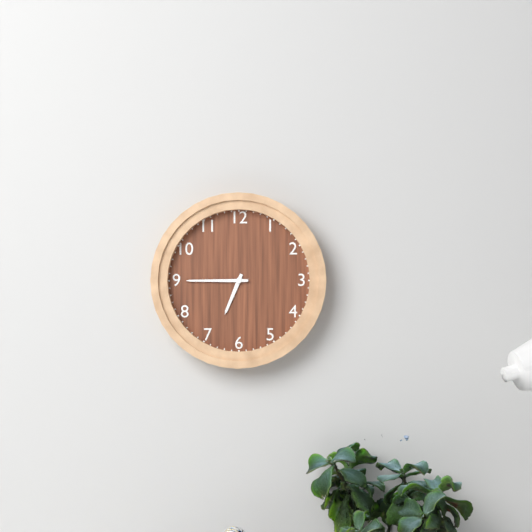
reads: 6,45
